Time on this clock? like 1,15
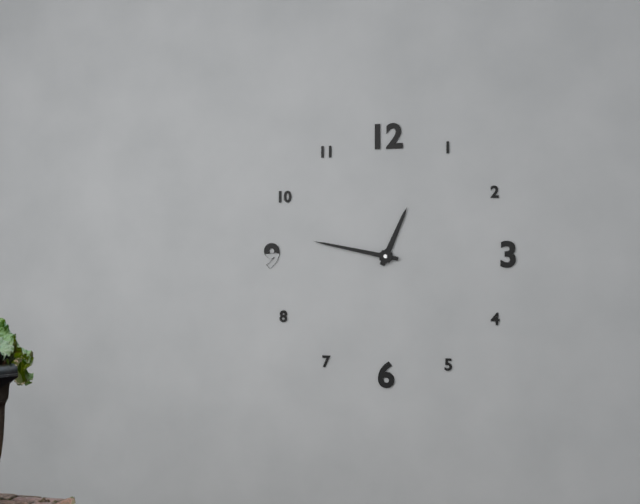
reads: 12,47
